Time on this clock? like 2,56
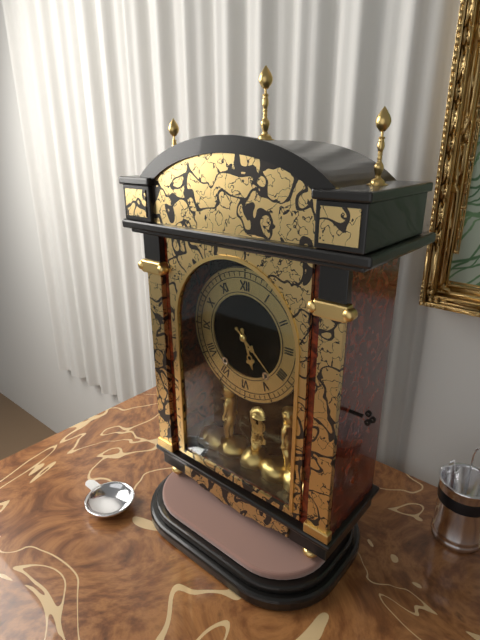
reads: 5,22
